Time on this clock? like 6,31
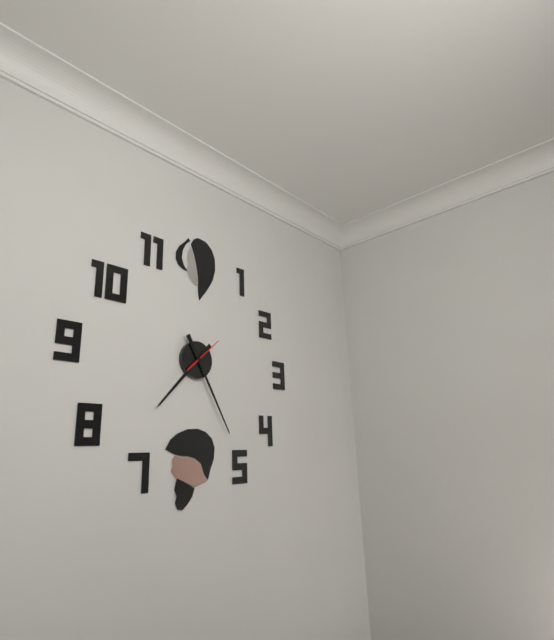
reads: 7,25
